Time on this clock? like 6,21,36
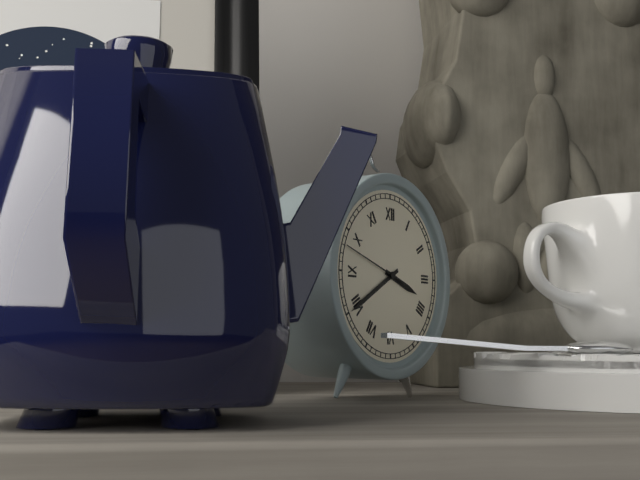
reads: 3,40,48
